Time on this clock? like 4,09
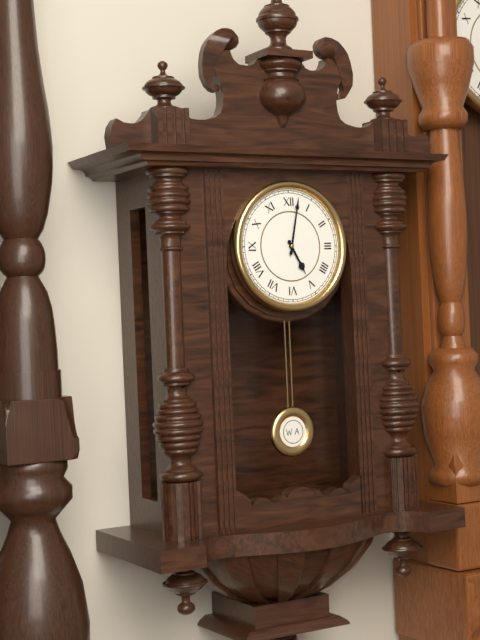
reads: 5,02
